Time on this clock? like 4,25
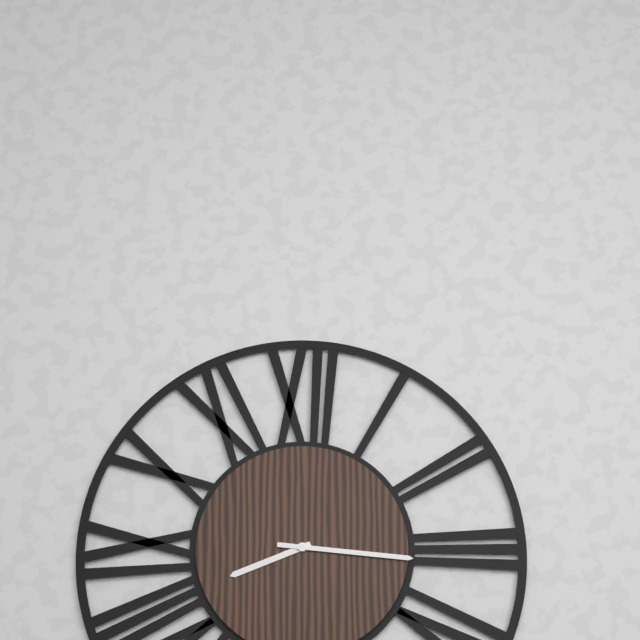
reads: 8,16
